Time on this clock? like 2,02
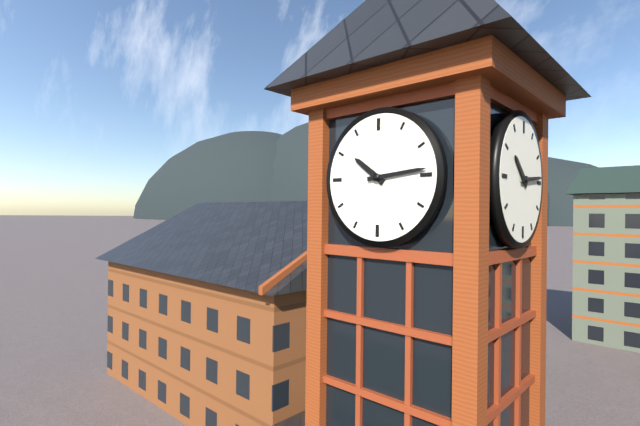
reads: 10,14
